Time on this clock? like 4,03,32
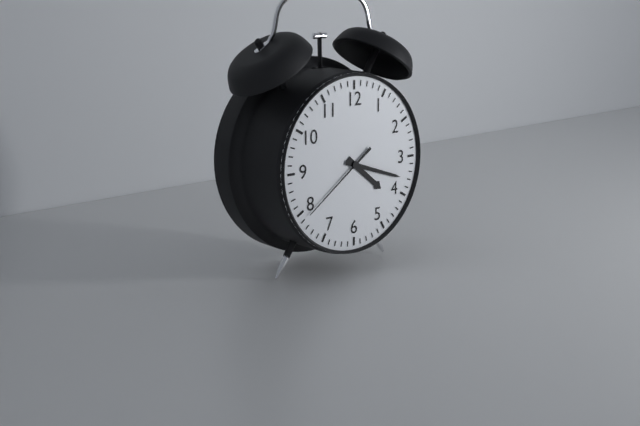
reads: 4,18,39
